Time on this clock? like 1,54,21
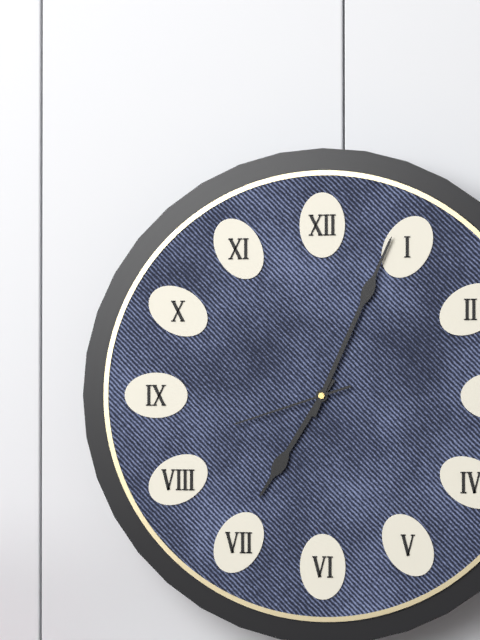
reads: 7,04,42
